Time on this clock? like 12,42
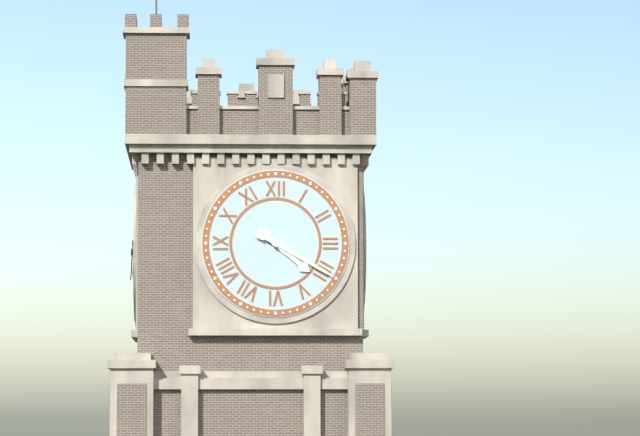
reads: 4,20
